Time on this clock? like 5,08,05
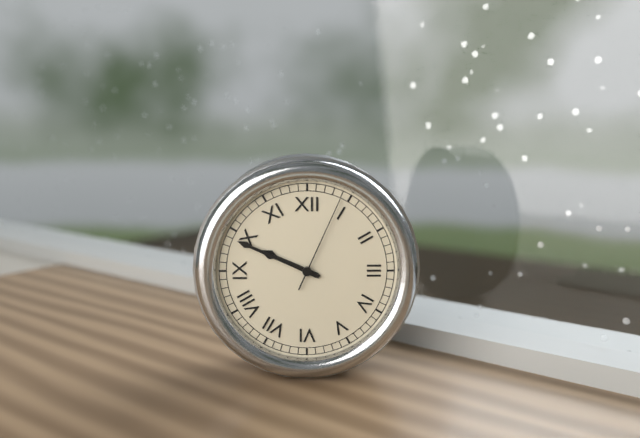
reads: 9,49,04
